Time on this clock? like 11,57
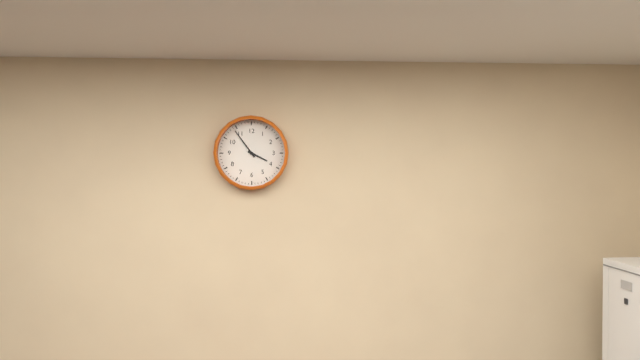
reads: 3,54
